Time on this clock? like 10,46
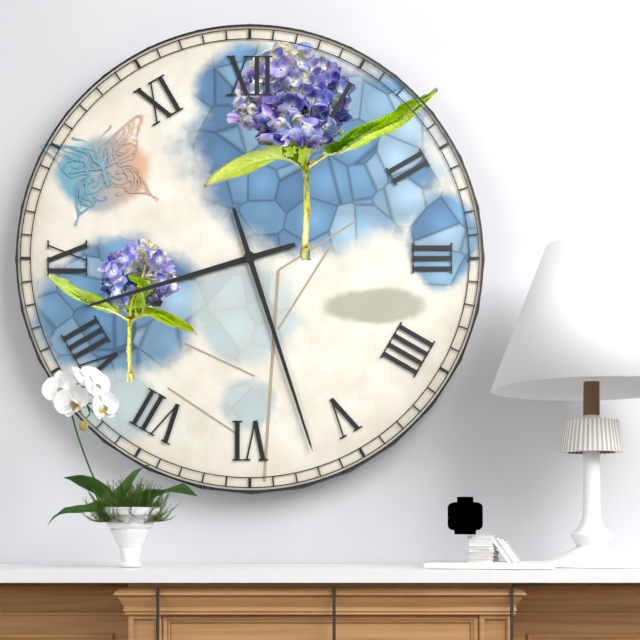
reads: 8,27
